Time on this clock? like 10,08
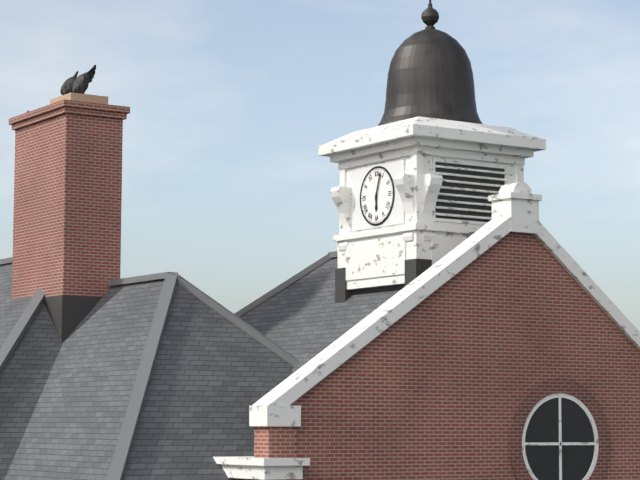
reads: 6,03
